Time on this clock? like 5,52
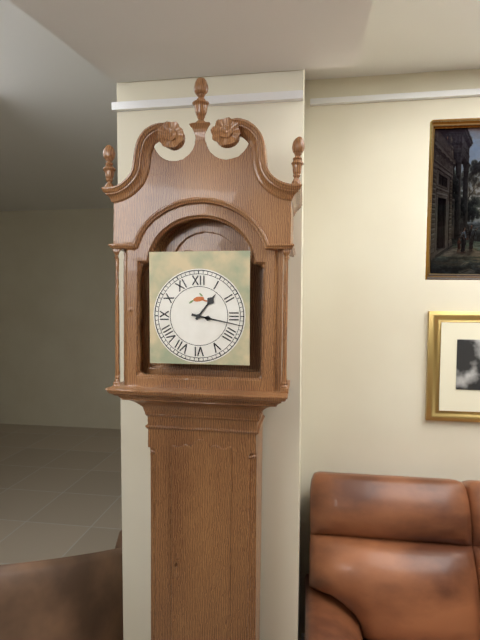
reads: 1,17
